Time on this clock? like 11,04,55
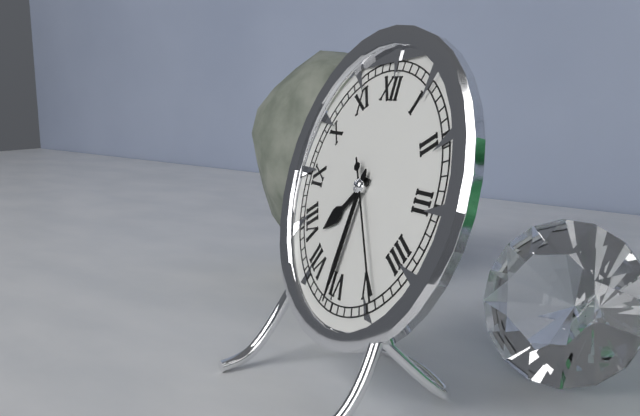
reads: 7,31,24
